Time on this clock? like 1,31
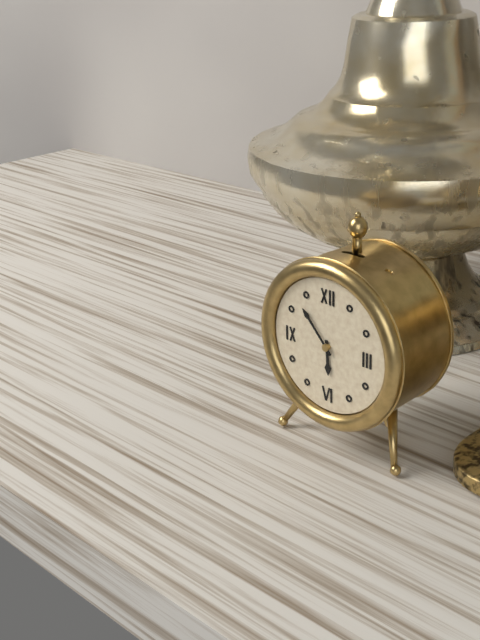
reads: 5,53
